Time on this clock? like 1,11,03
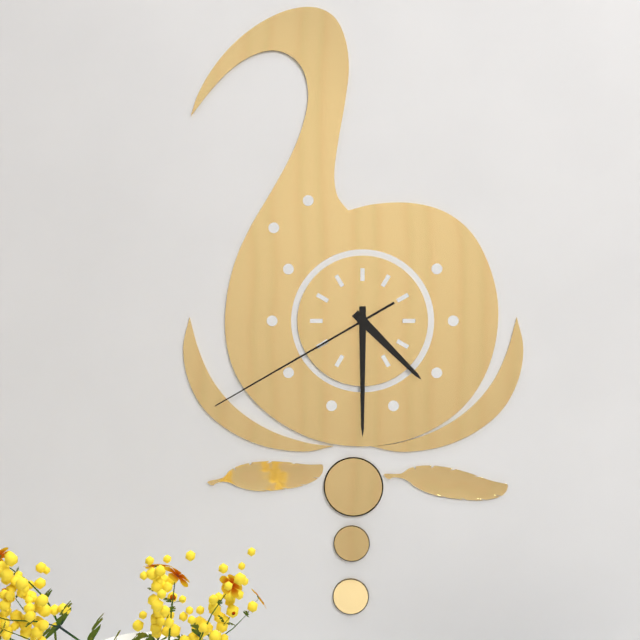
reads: 4,30,40
